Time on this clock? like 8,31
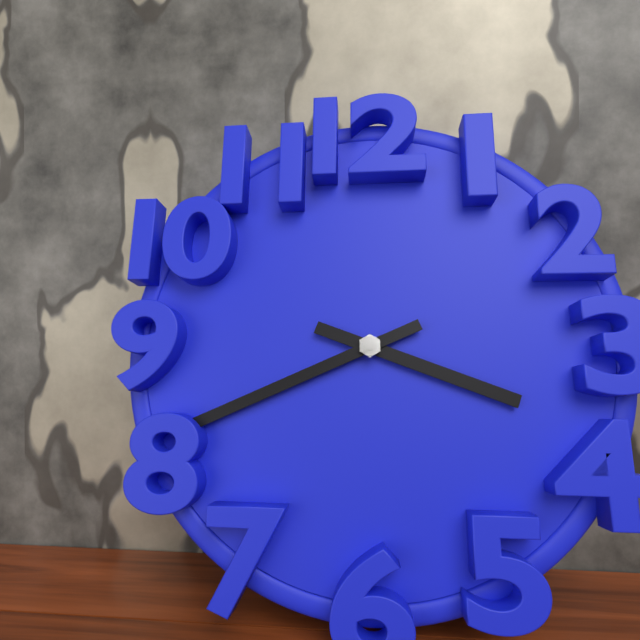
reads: 3,41
